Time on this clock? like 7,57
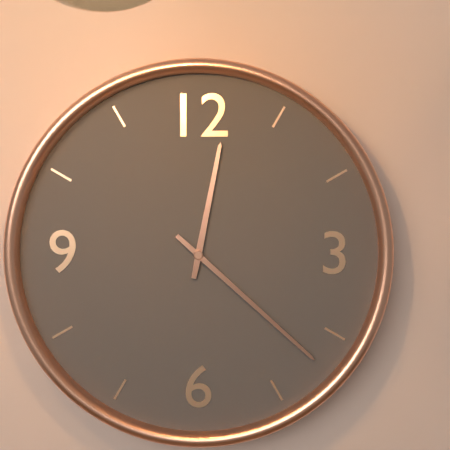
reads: 12,22
